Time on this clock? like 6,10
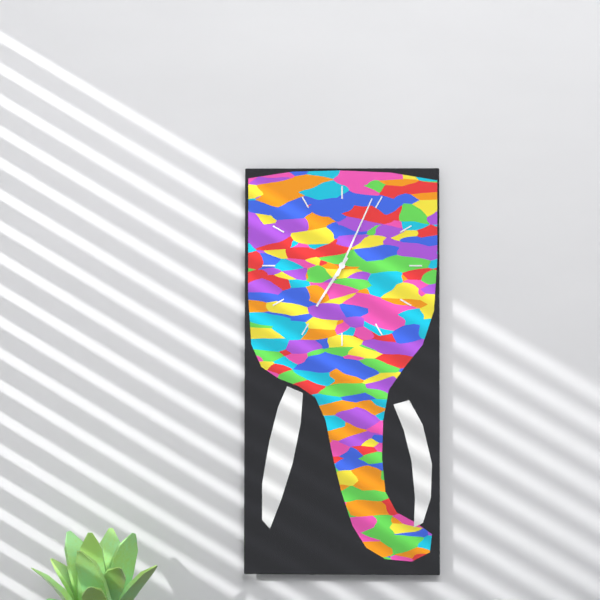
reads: 7,04
